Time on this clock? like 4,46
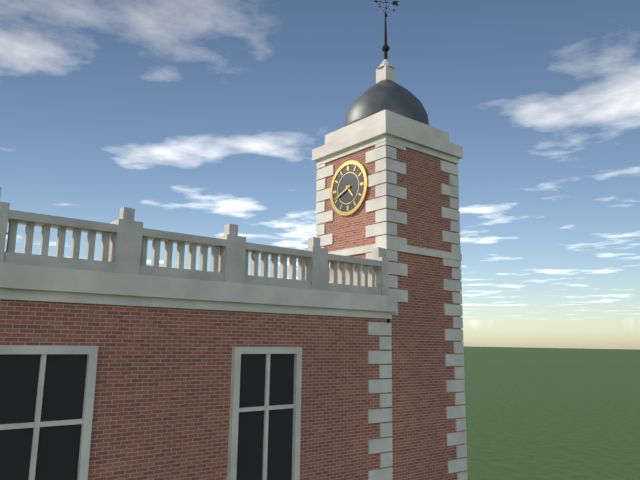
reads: 4,41
